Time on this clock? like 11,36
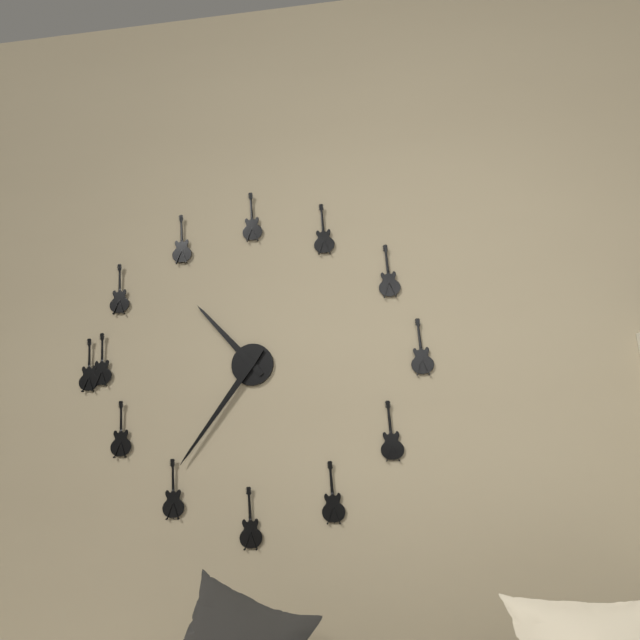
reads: 10,36
